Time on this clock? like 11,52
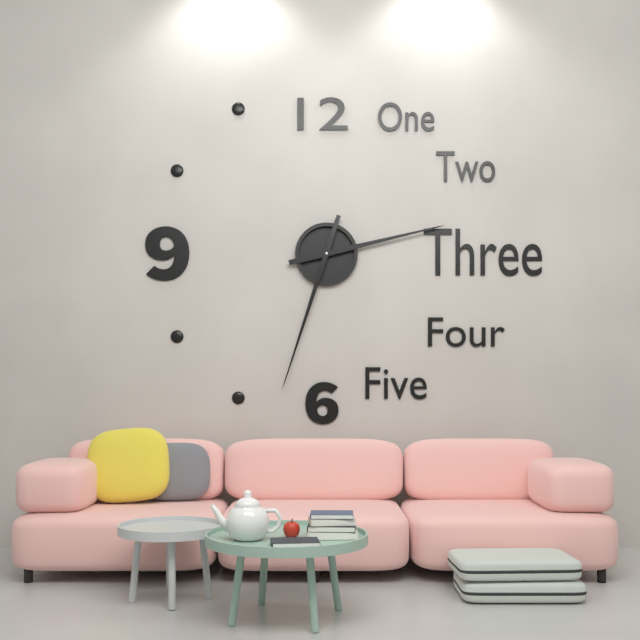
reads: 2,33
